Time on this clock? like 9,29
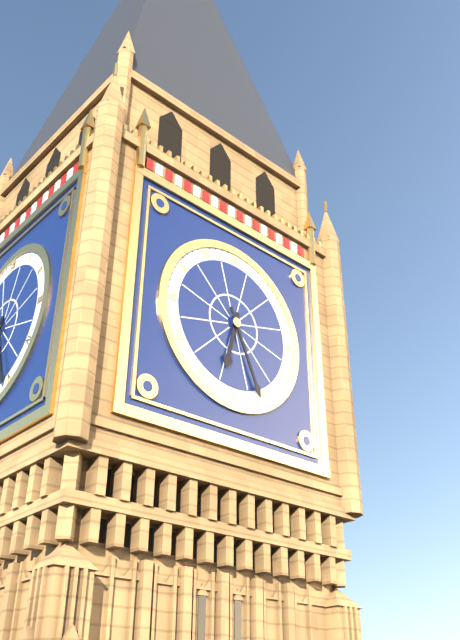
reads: 6,26
